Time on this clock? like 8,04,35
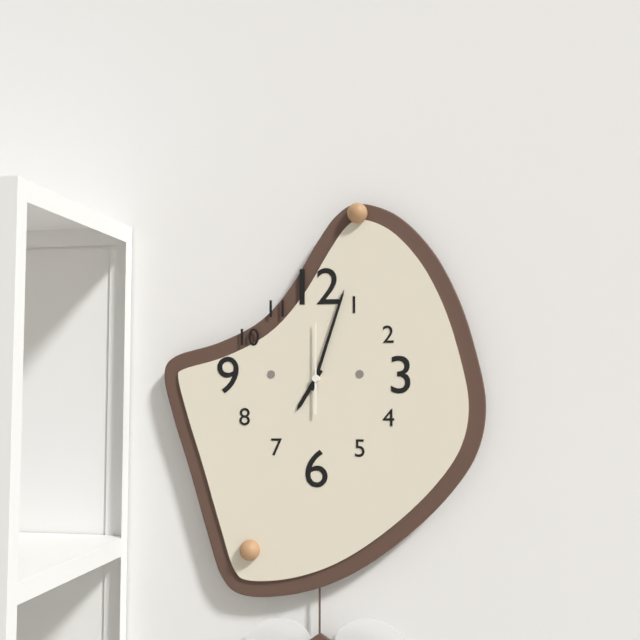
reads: 7,03,00
